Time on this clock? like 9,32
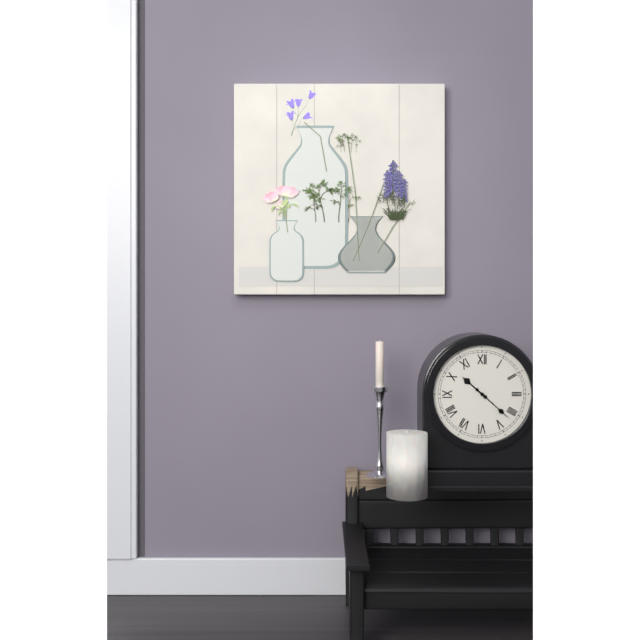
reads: 10,22
